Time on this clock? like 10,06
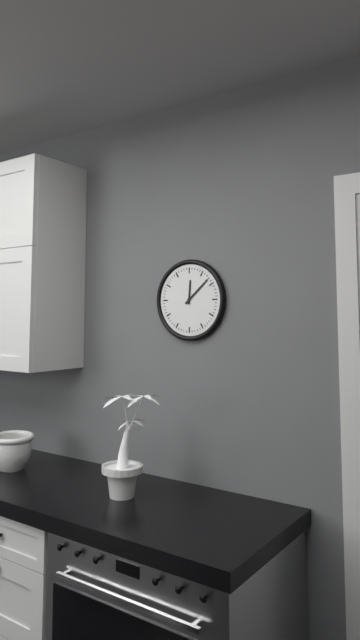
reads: 12,08
